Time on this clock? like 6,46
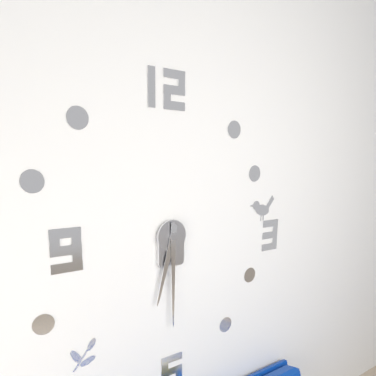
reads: 6,30
